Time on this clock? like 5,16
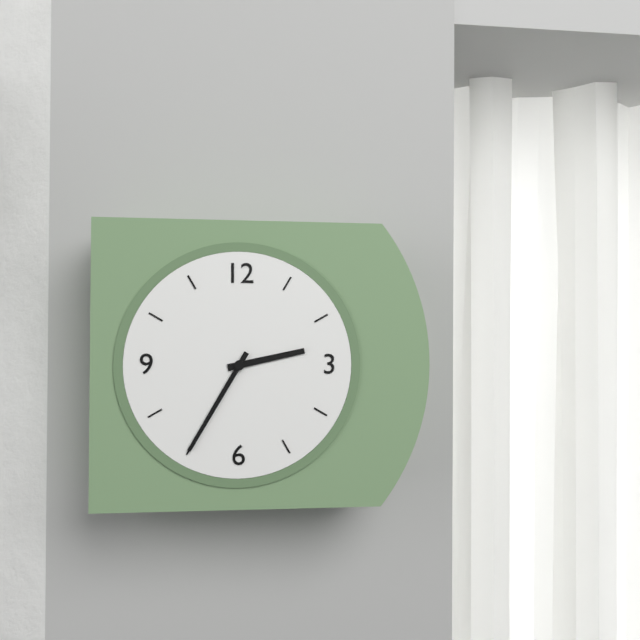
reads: 2,35
